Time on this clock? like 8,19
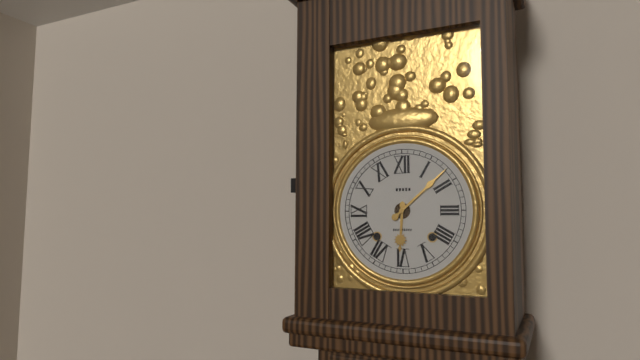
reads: 6,08
